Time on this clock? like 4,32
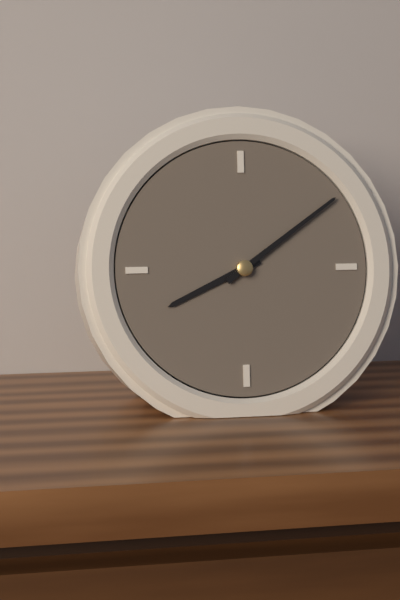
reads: 8,09
